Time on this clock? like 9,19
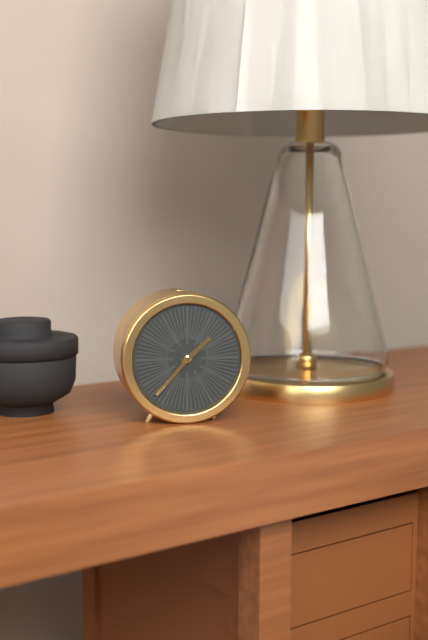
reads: 1,37
